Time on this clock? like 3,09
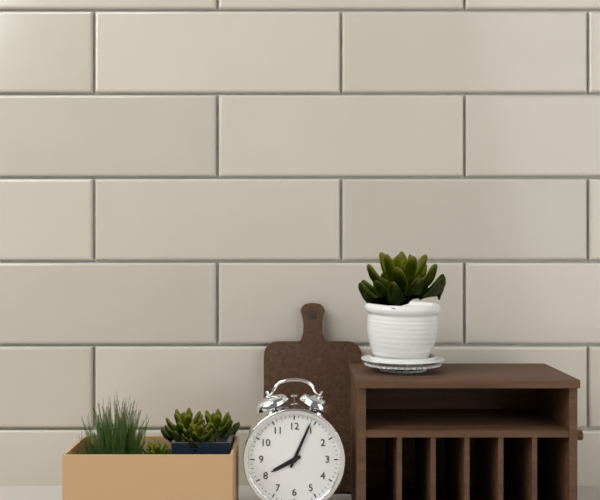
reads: 8,04
